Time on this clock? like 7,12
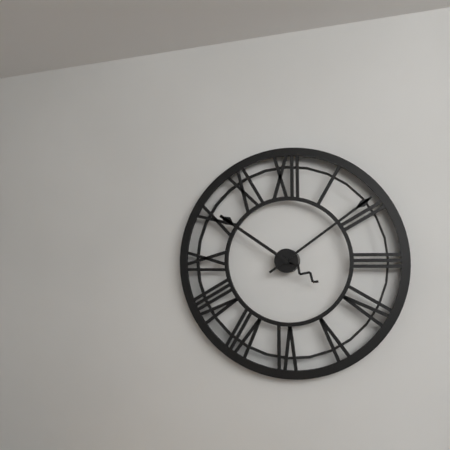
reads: 10,09
